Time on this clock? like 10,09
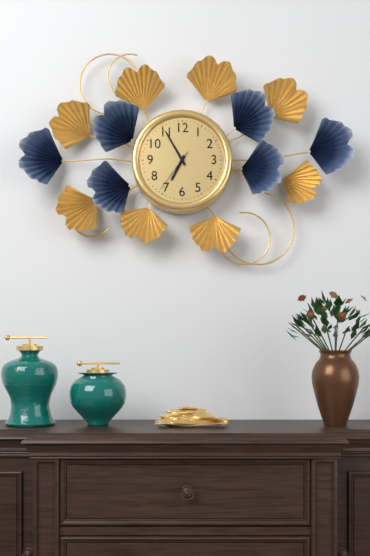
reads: 6,55
